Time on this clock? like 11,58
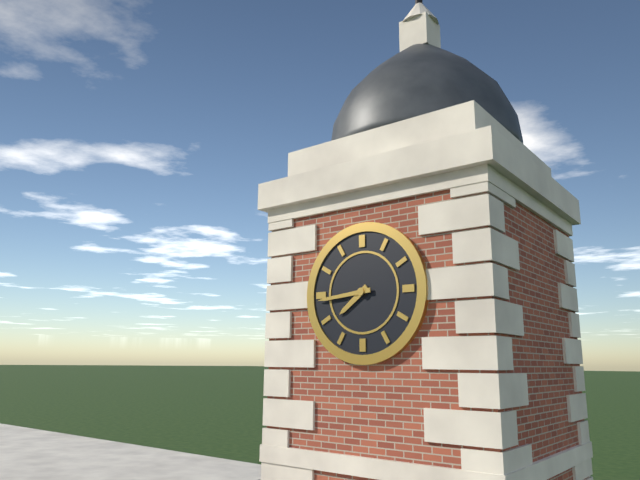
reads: 7,44
